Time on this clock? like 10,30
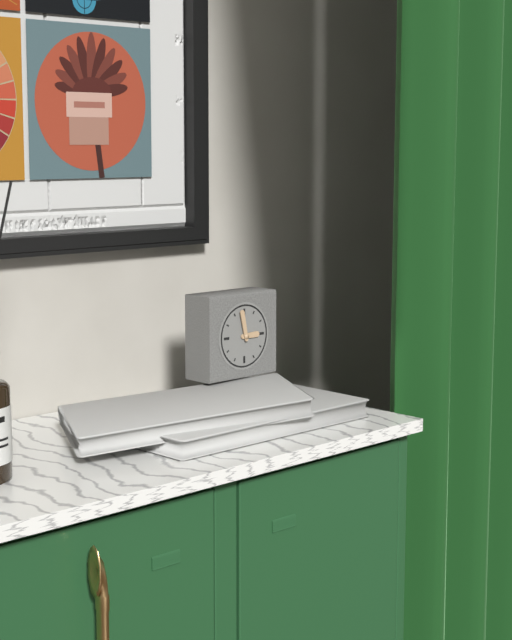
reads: 2,58
